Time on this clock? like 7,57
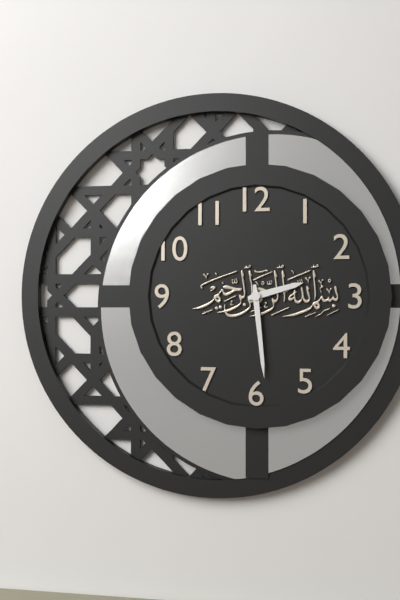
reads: 2,29
